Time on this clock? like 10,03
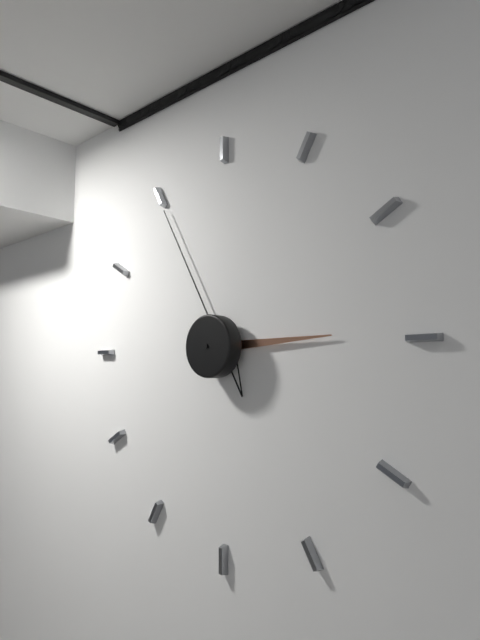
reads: 2,55
